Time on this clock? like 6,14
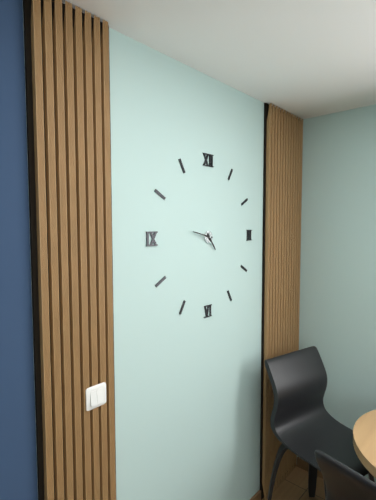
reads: 4,47
